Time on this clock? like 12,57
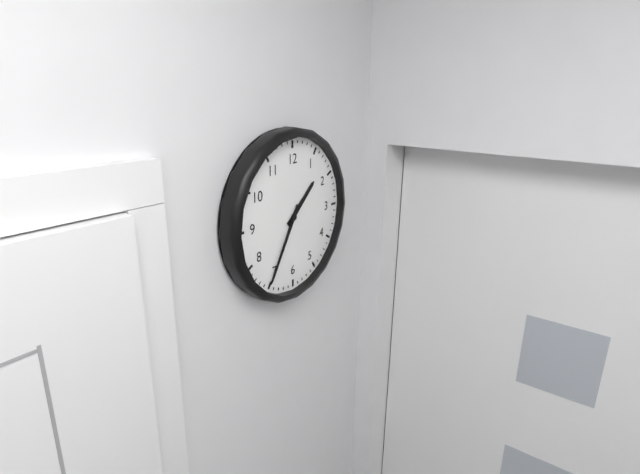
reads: 1,35
